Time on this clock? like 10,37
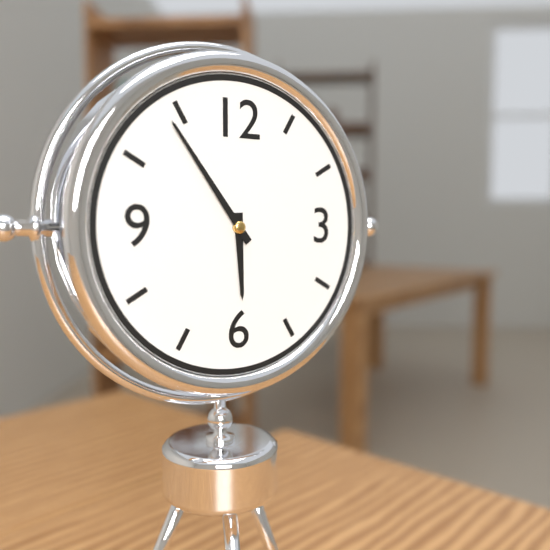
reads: 5,54
